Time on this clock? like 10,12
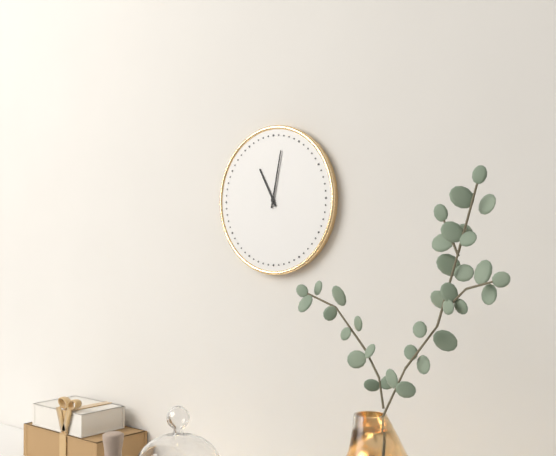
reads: 11,02
